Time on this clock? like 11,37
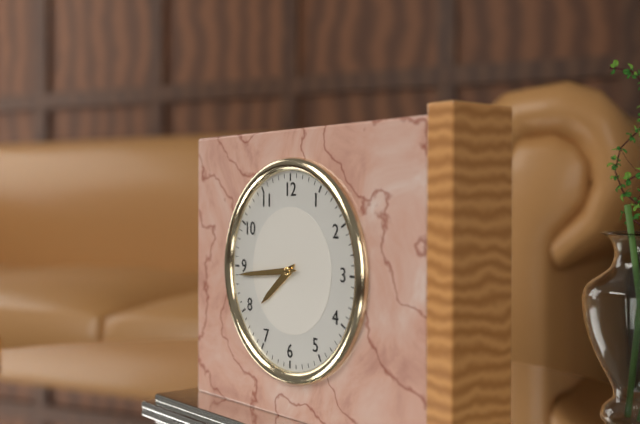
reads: 7,44
